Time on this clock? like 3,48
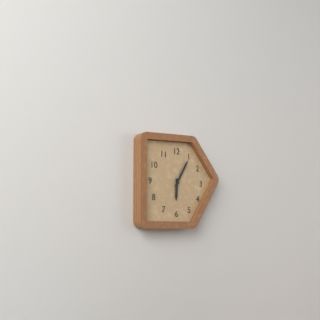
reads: 6,05
